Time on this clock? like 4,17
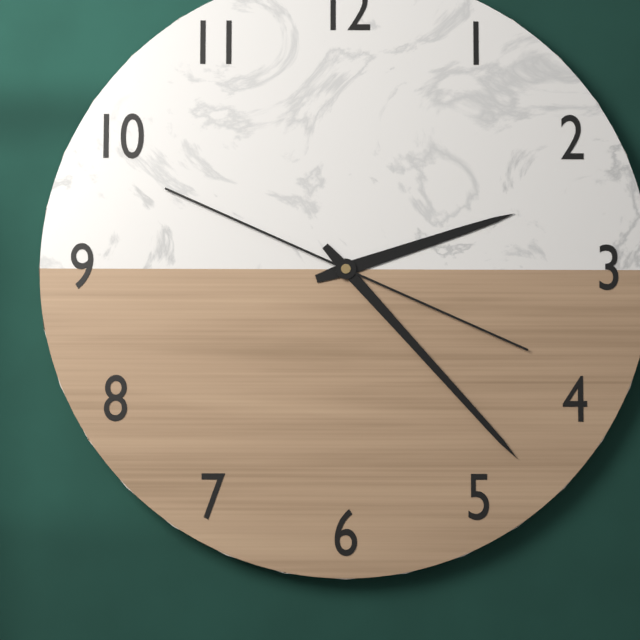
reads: 2,23
